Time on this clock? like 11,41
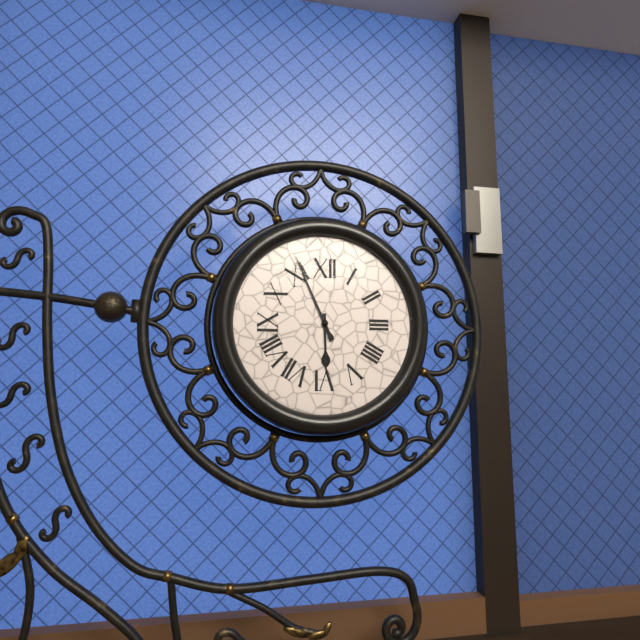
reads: 5,56
